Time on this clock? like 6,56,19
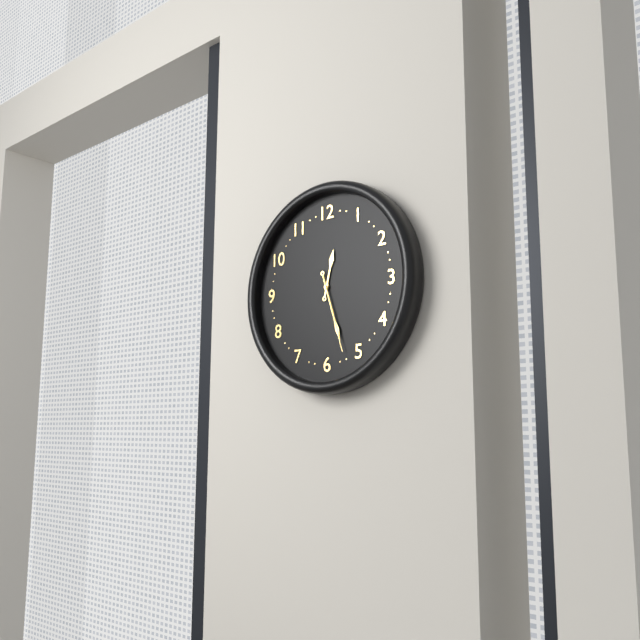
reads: 12,27,27
